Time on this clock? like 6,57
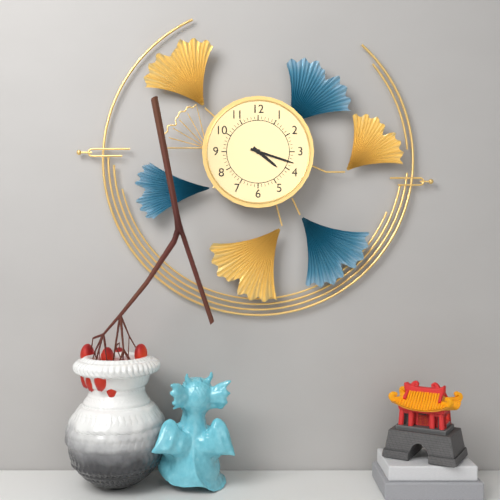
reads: 4,18
